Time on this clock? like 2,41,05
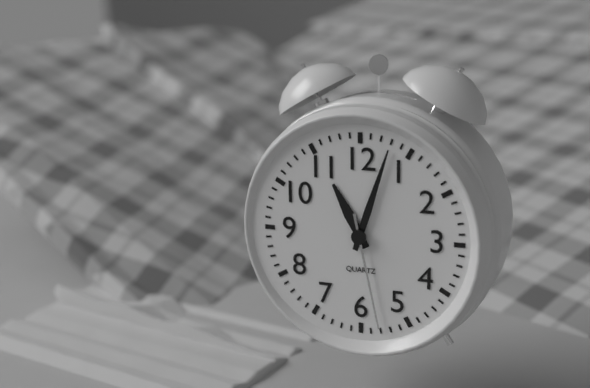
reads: 11,03,28
